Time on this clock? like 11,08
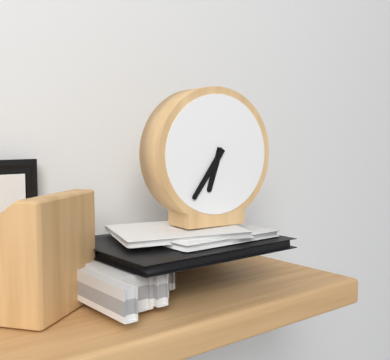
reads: 6,36
